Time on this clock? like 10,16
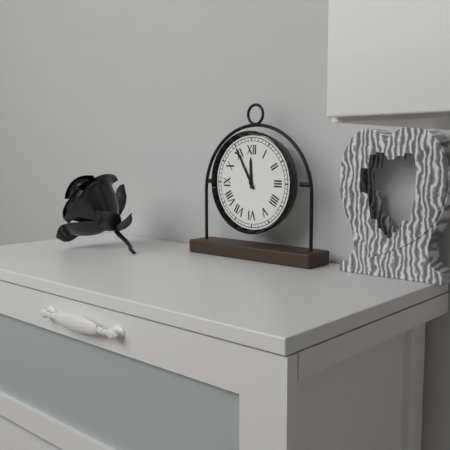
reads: 11,55
